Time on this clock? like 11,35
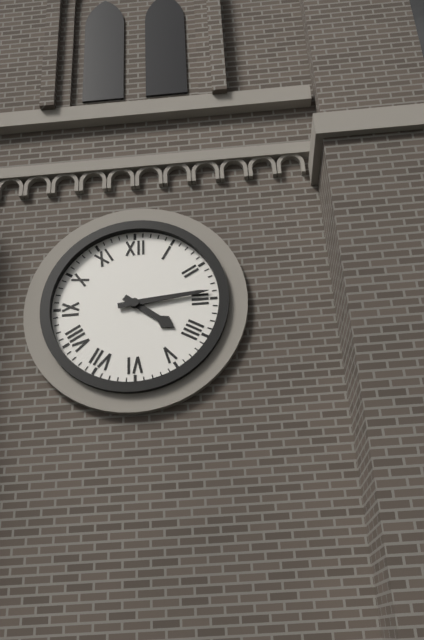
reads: 4,14
